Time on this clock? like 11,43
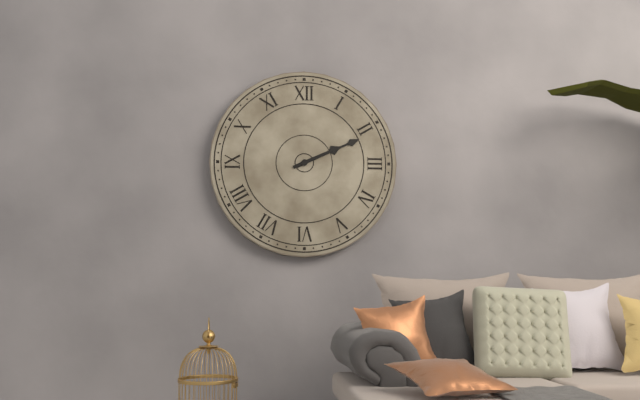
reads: 2,11
